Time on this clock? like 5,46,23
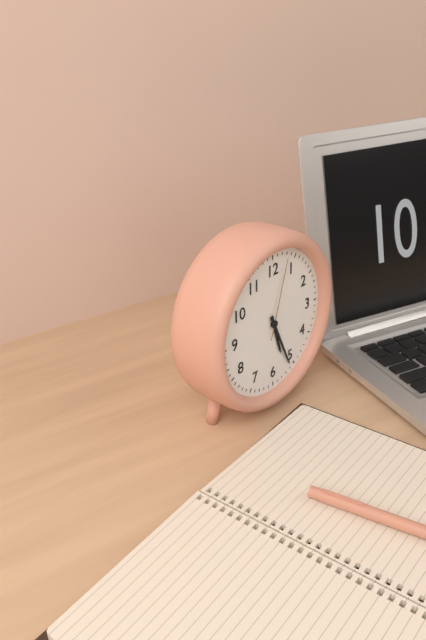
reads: 5,26,03
